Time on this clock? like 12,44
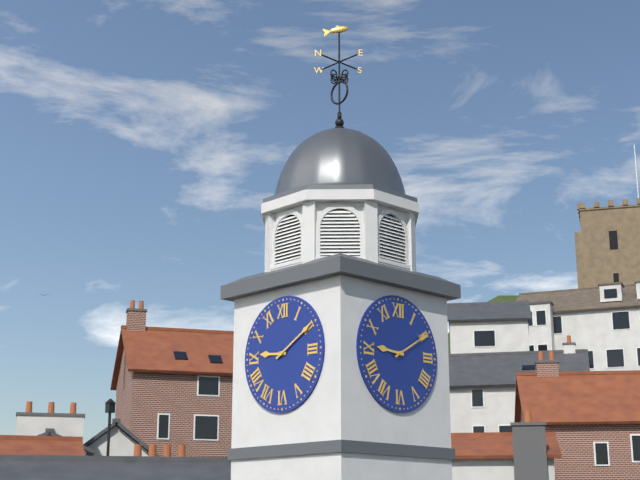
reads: 9,10
